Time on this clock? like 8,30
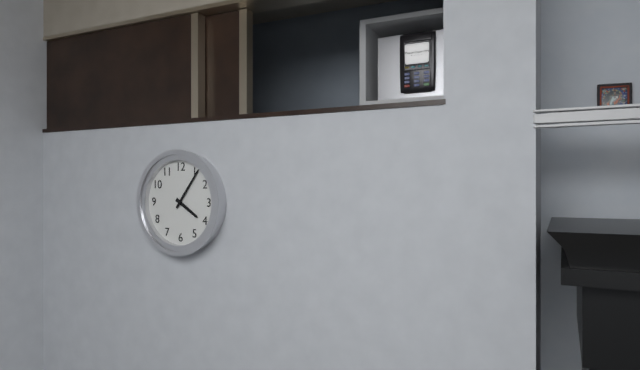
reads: 4,06
